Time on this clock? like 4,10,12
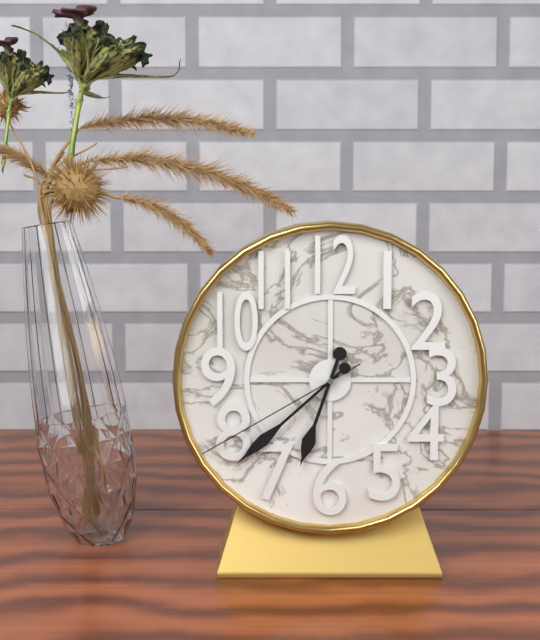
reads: 6,38,40
